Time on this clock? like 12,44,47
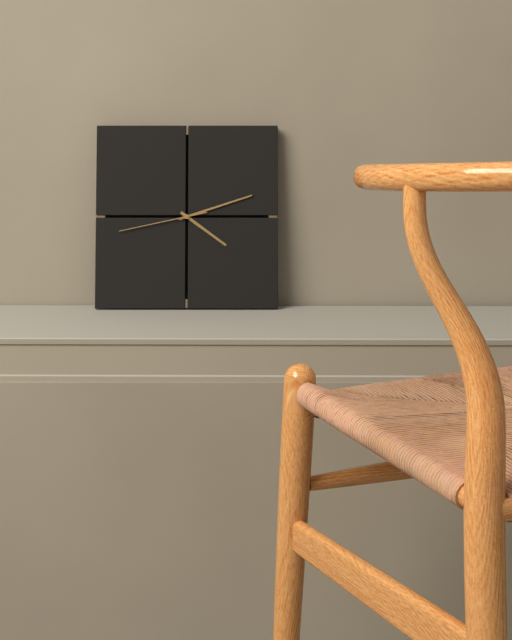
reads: 4,12,43
